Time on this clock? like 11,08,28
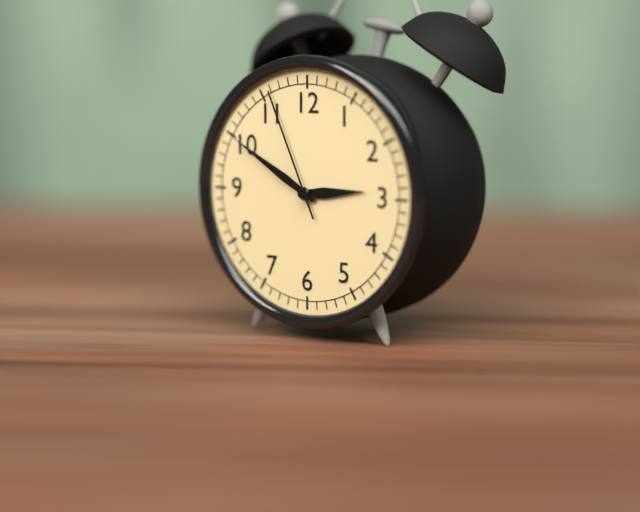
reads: 2,50,56
